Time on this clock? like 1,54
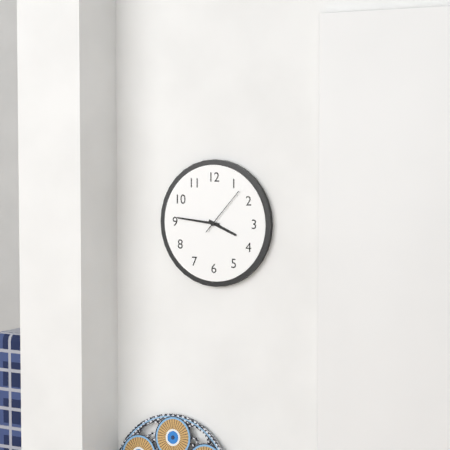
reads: 3,46
